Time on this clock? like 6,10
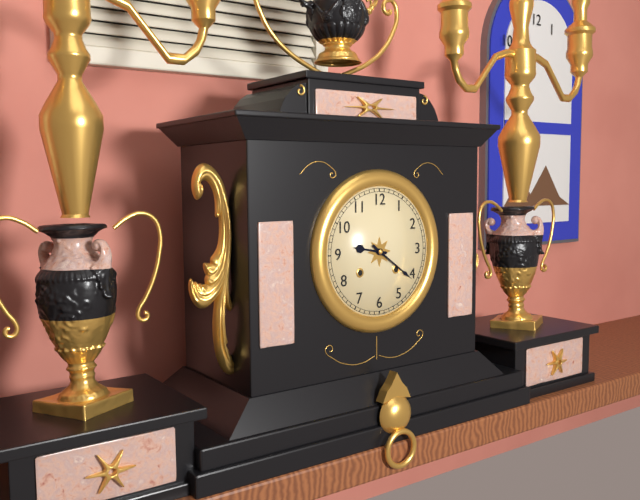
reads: 9,21
